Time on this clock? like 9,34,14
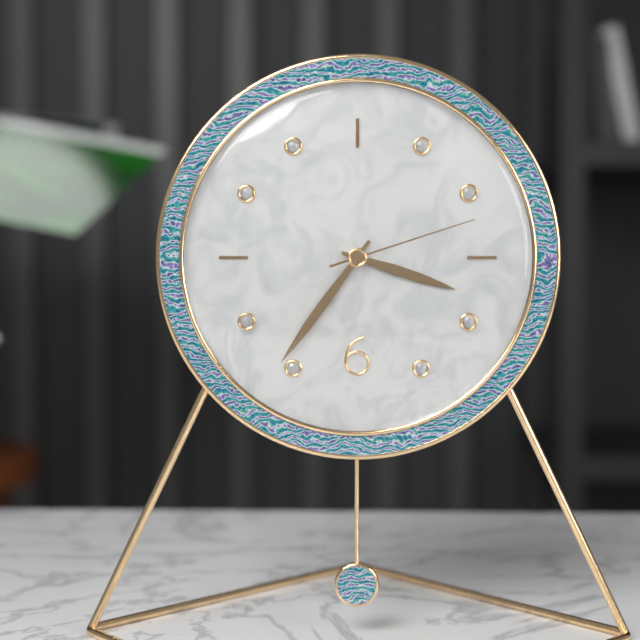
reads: 3,36,12
